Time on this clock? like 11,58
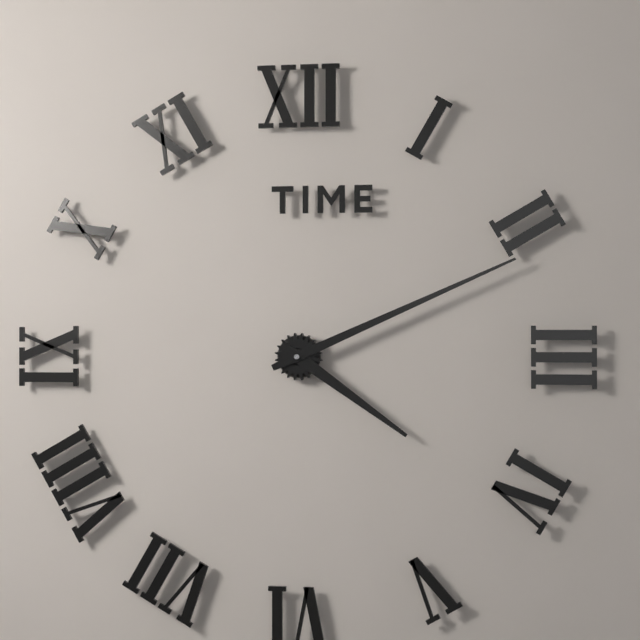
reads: 4,11
